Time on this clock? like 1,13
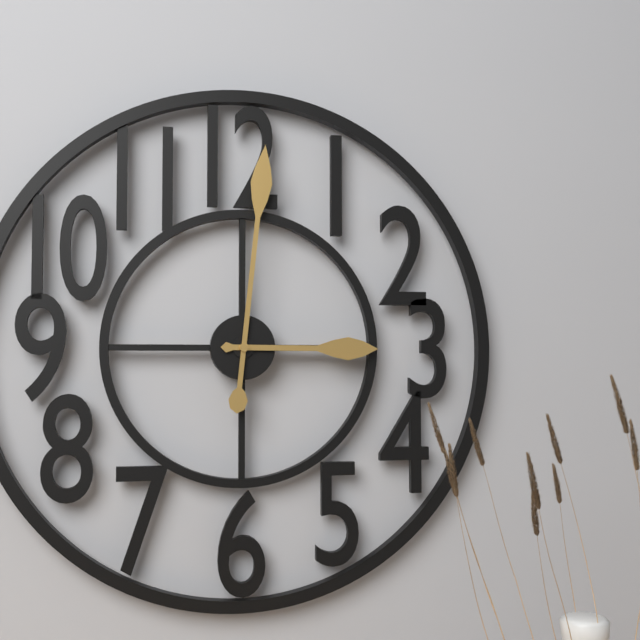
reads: 3,01
